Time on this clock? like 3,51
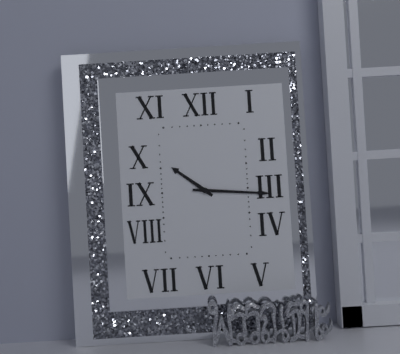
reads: 10,16
